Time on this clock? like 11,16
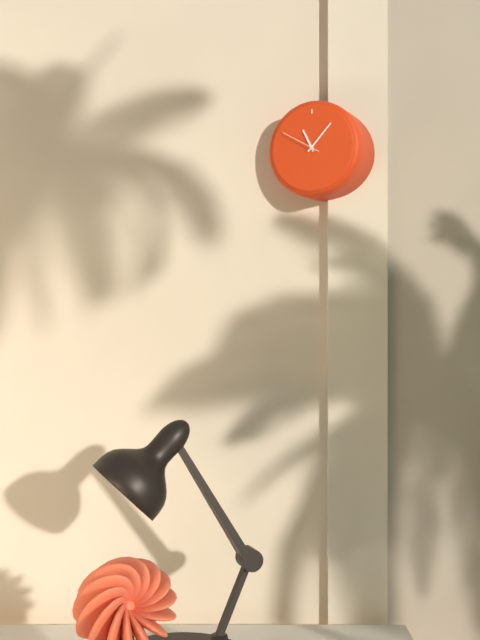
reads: 11,07
